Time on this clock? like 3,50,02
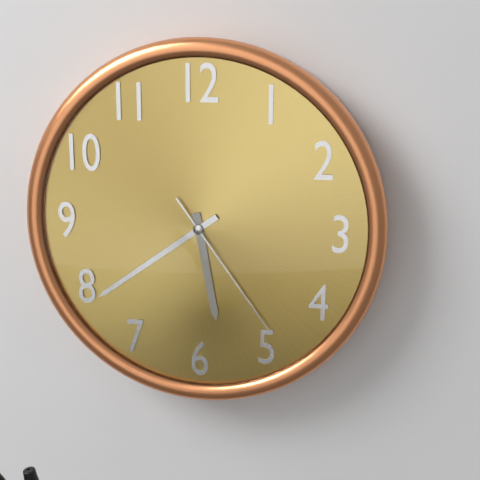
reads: 5,39,24
